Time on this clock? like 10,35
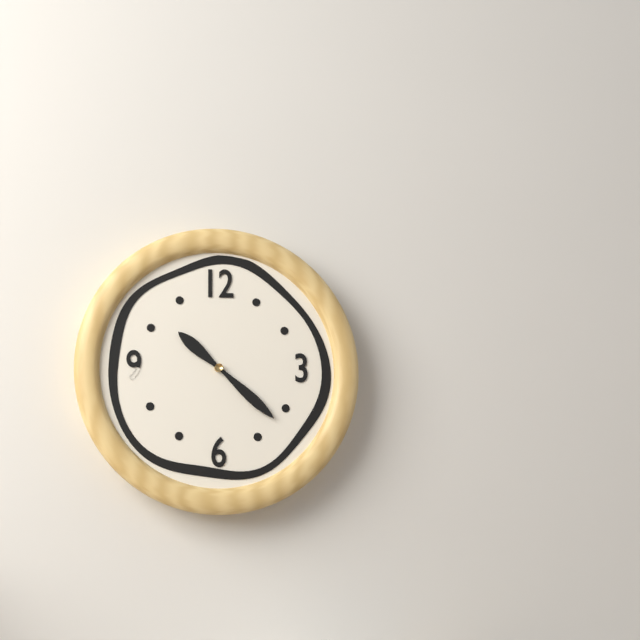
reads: 10,22
